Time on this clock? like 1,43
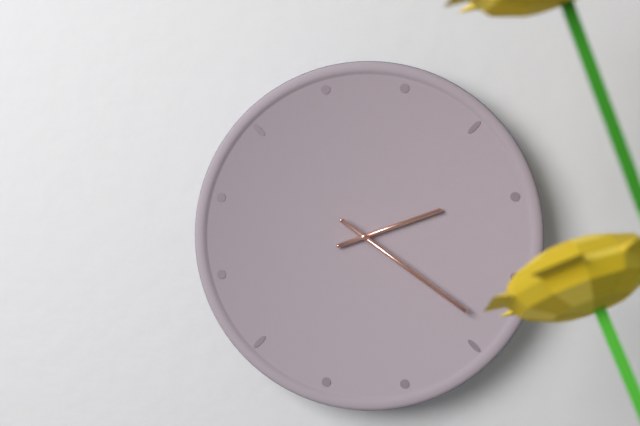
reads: 2,21
